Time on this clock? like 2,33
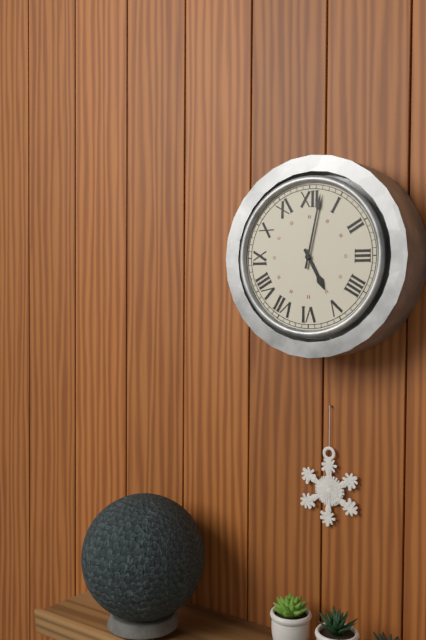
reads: 5,02
